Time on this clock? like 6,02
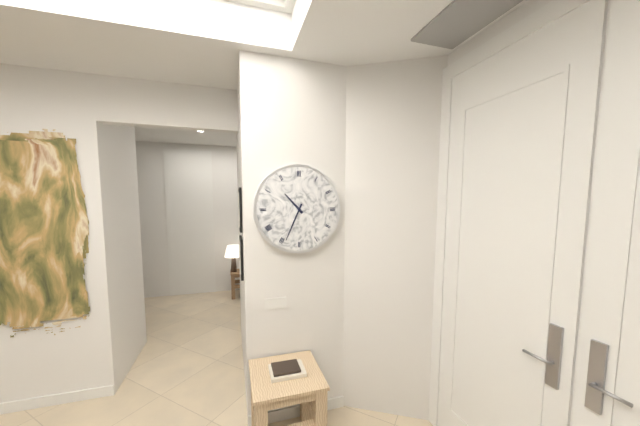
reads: 10,34
